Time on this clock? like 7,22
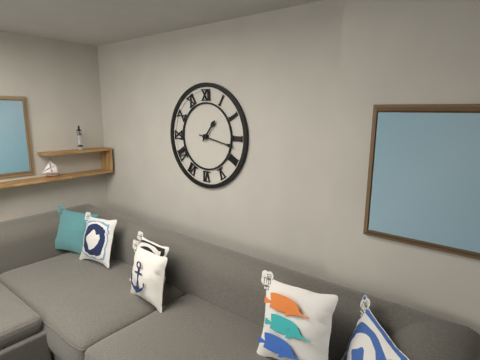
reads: 1,17
